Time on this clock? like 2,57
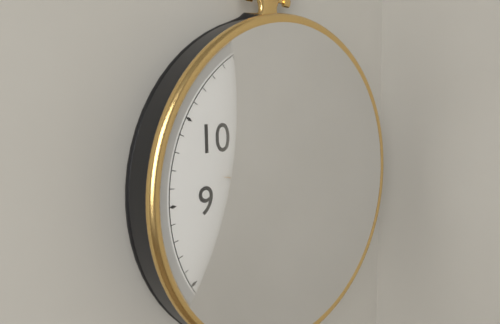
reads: 6,47
